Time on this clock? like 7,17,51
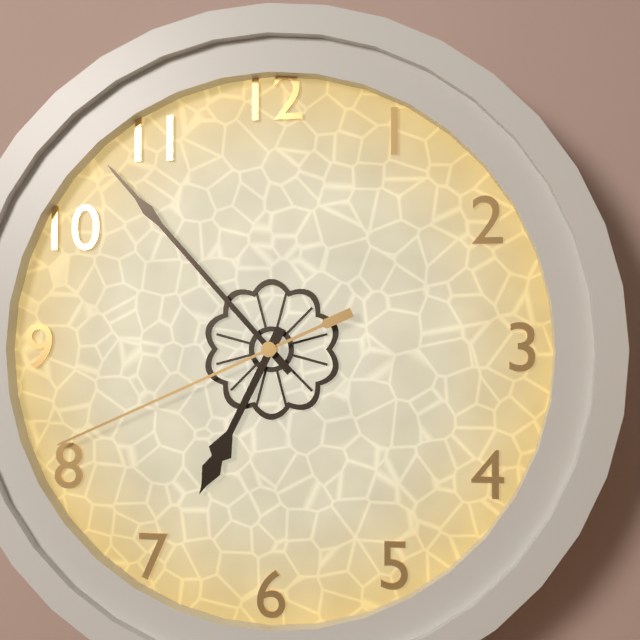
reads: 6,53,41
